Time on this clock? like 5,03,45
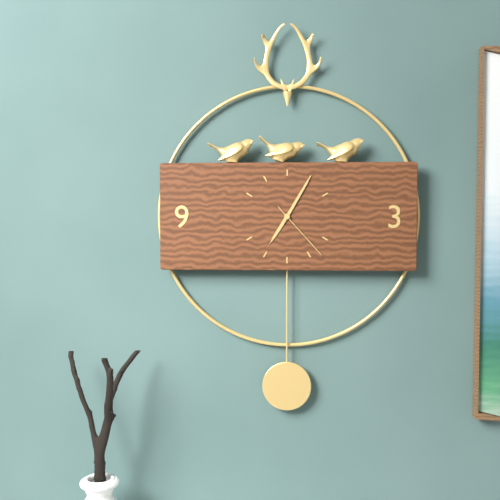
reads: 7,05,23
